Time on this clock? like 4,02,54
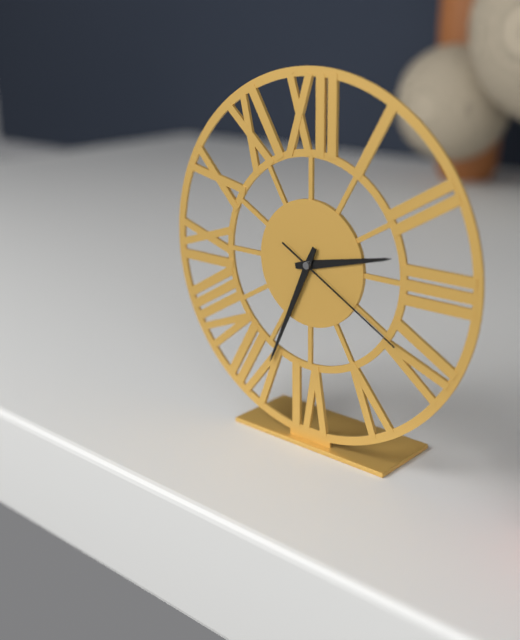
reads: 2,34,20
